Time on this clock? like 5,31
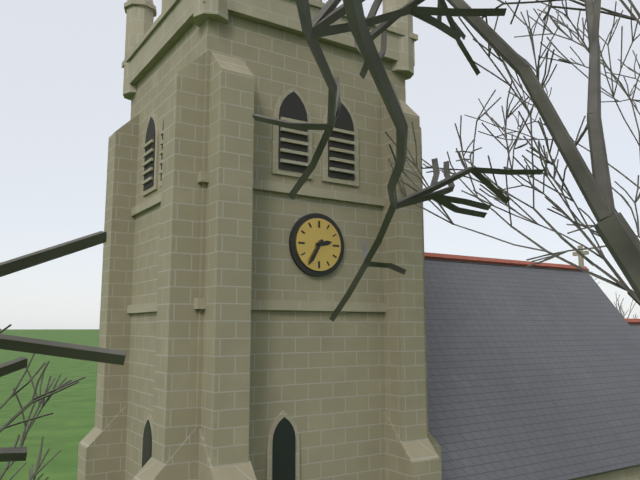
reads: 2,35
